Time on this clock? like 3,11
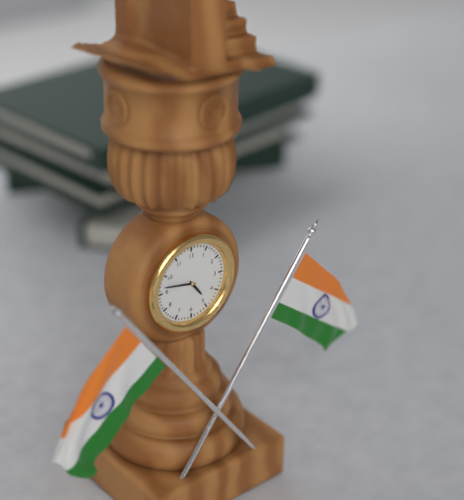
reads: 4,47
